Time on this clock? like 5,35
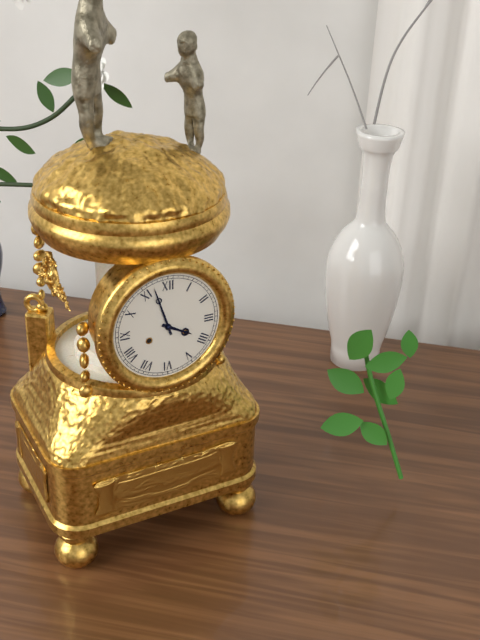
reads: 3,57
